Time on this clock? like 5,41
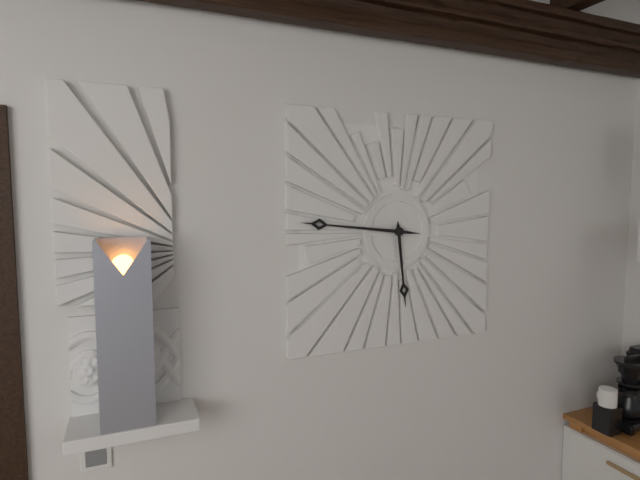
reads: 5,46
